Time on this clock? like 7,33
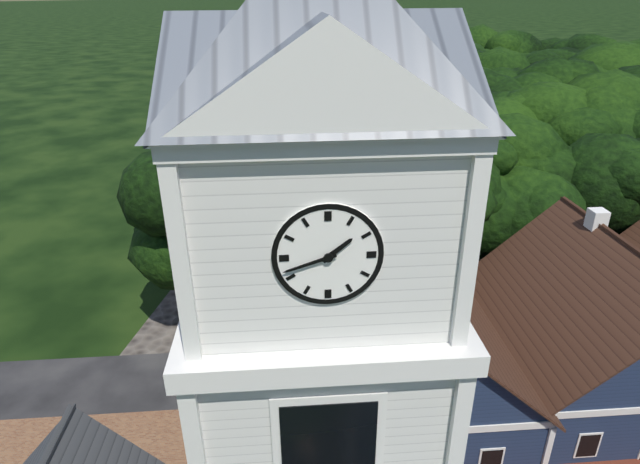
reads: 1,42
